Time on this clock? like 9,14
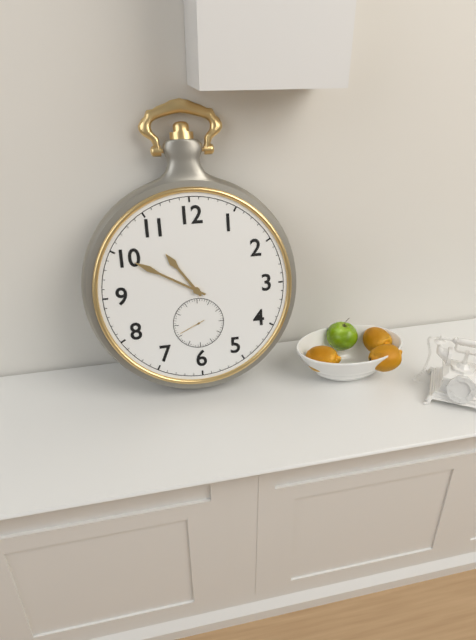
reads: 10,50
